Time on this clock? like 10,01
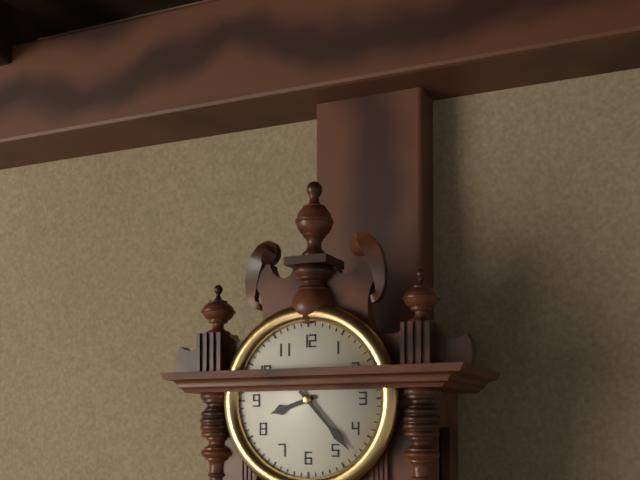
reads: 8,23
